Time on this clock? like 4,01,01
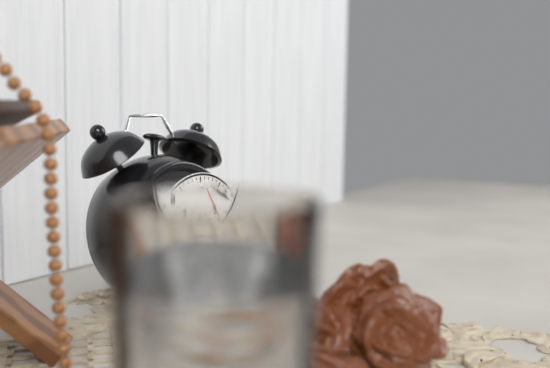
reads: 2,21,25
